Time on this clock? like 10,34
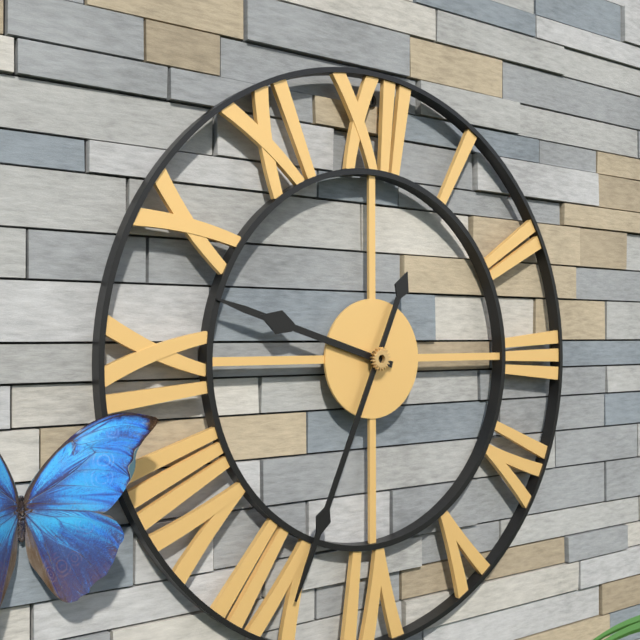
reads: 9,34
